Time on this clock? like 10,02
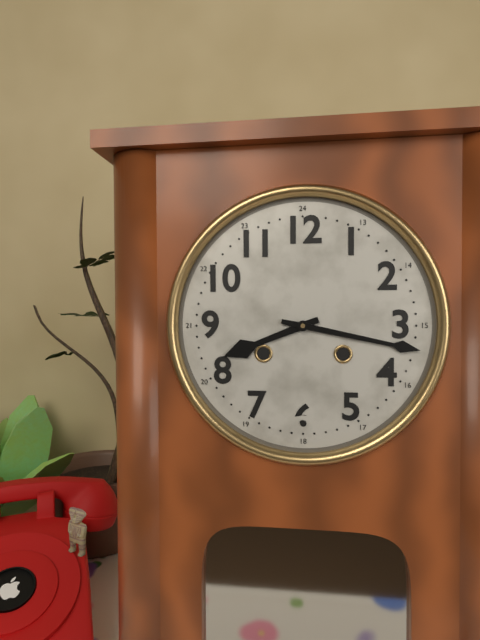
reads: 8,17
